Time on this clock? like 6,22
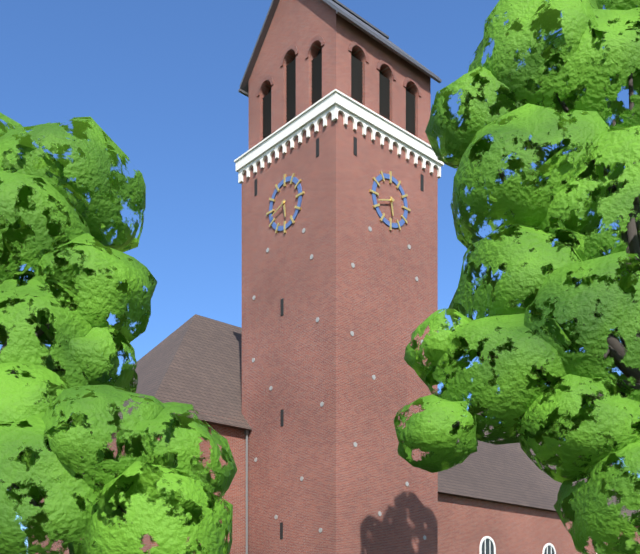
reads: 5,42
